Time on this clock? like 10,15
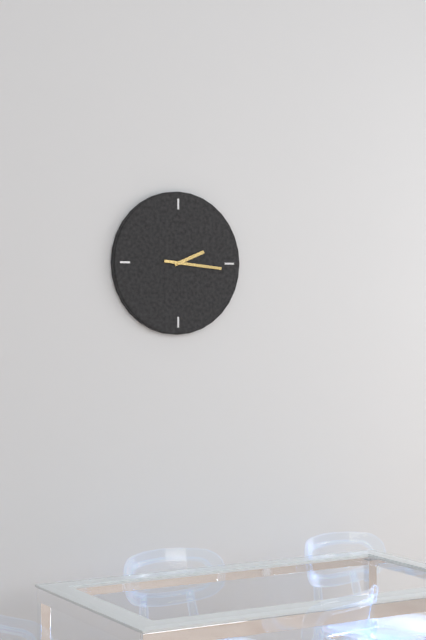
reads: 2,16
